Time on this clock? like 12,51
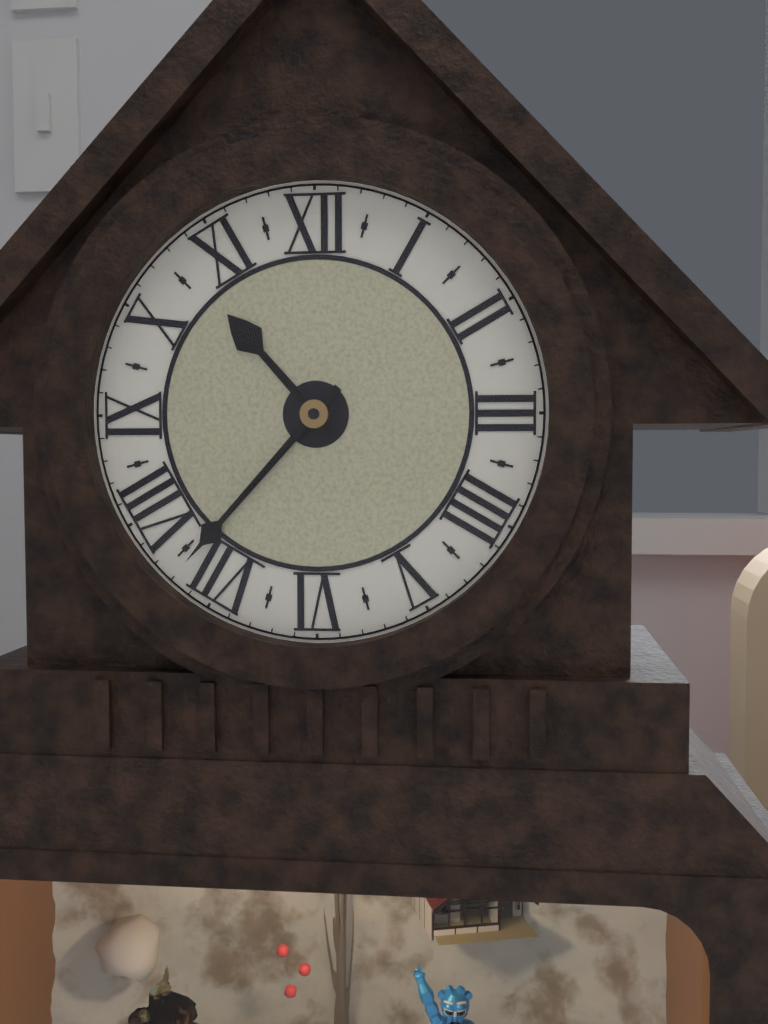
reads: 10,37
